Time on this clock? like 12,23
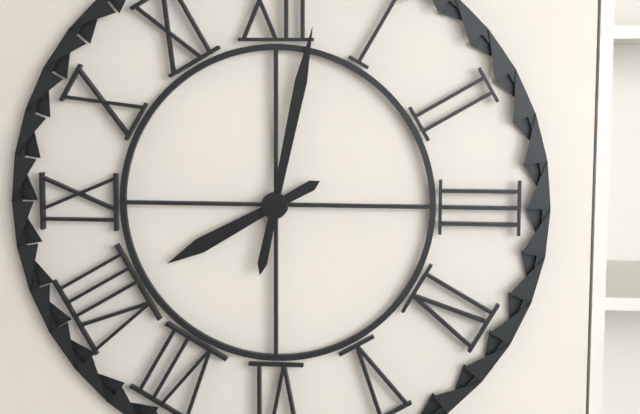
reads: 8,02
